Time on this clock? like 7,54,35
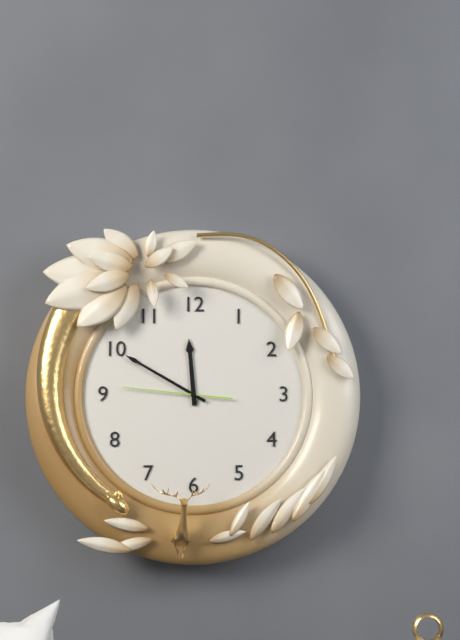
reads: 11,50,46
